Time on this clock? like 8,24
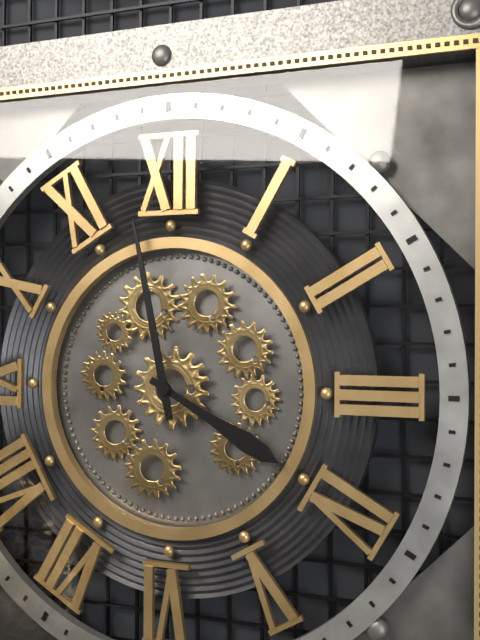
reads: 3,58
